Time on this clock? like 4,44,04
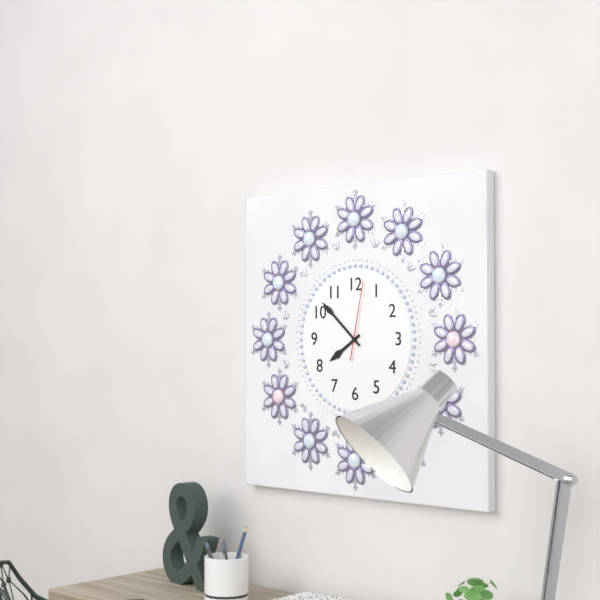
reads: 7,52,02
